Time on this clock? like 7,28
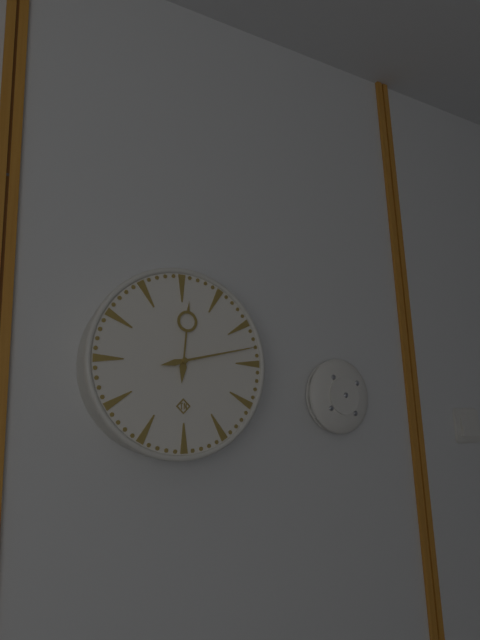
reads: 12,13
